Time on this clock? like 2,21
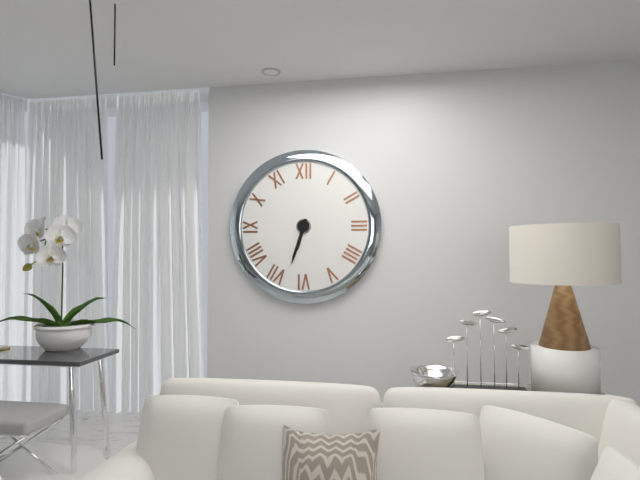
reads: 6,33
